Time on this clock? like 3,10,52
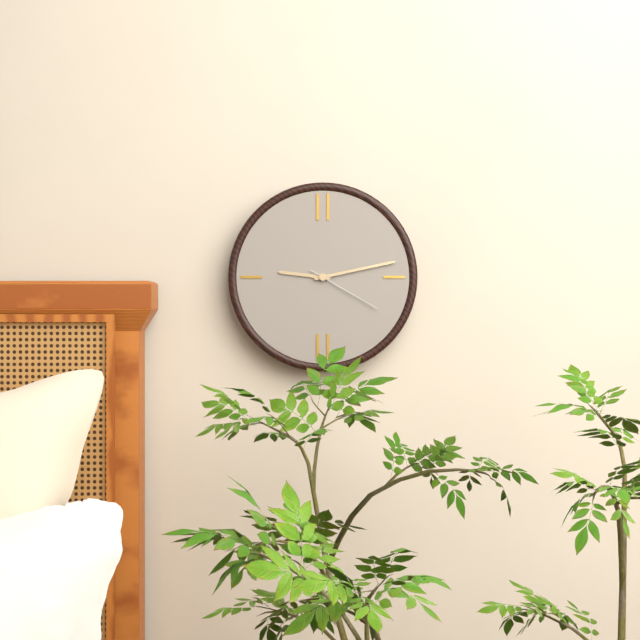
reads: 9,13,20
